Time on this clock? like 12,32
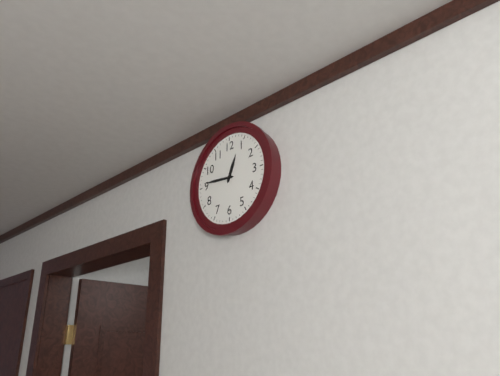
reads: 12,46
